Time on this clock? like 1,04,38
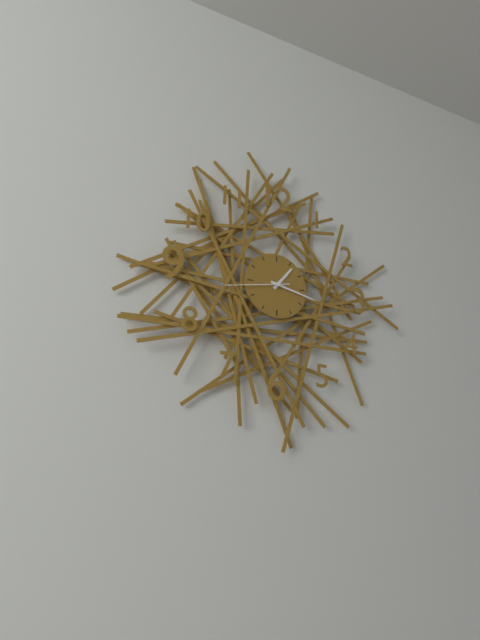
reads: 1,17,43
